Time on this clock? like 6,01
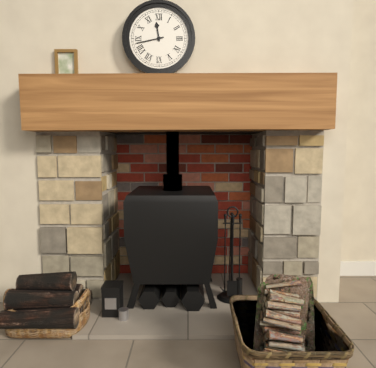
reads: 11,43
